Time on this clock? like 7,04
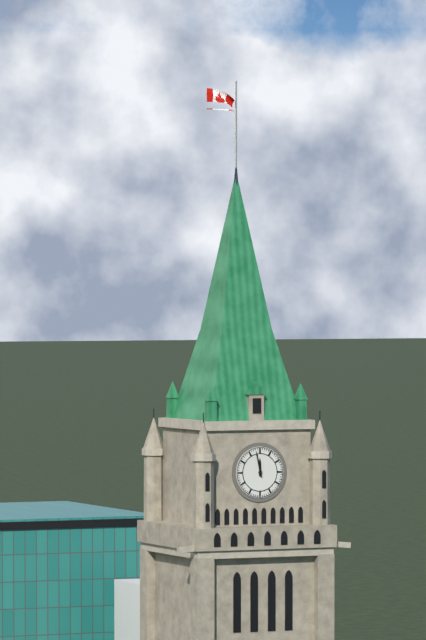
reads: 11,58
